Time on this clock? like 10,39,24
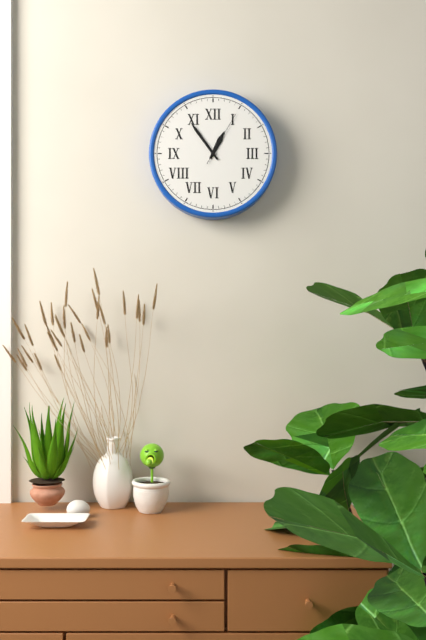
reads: 12,54,05
